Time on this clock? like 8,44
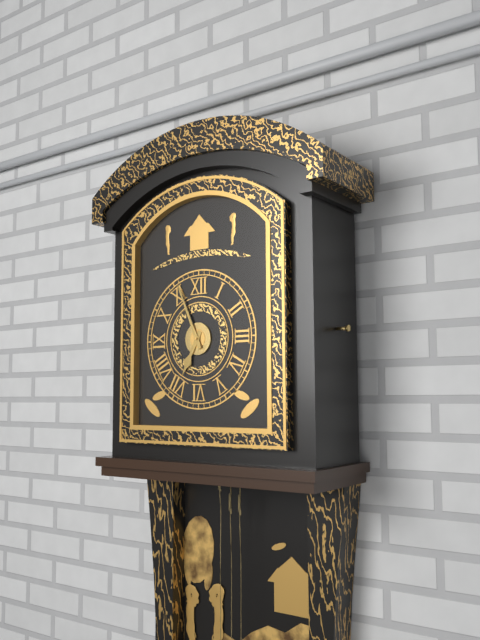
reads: 6,56
